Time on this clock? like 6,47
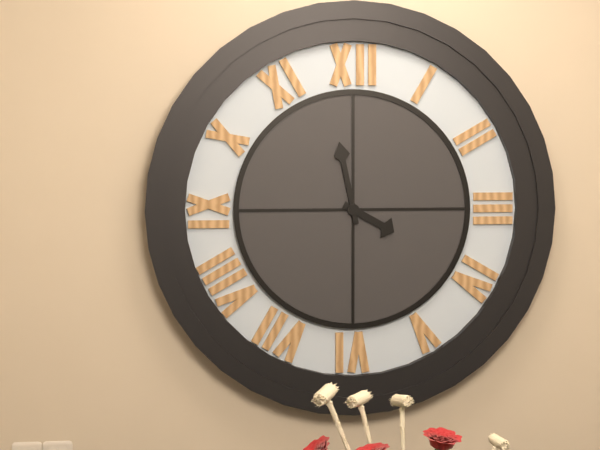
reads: 3,58
